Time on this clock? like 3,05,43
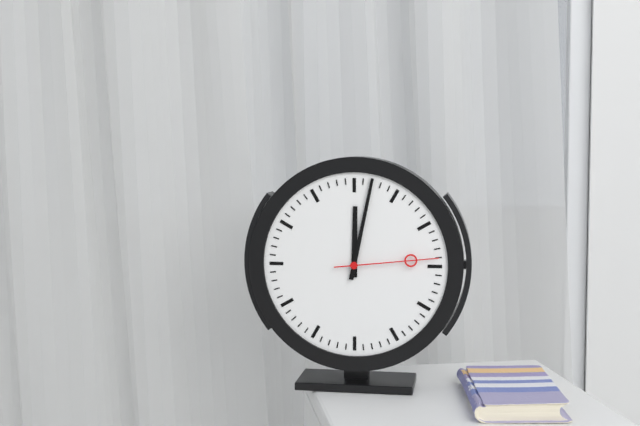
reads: 12,02,14
